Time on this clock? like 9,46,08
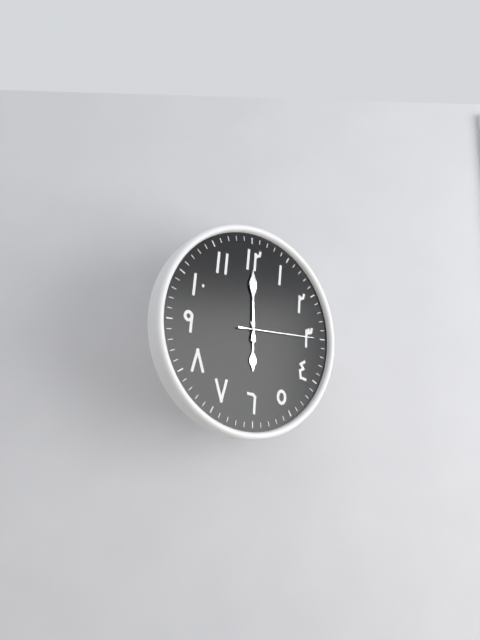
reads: 6,00,15
